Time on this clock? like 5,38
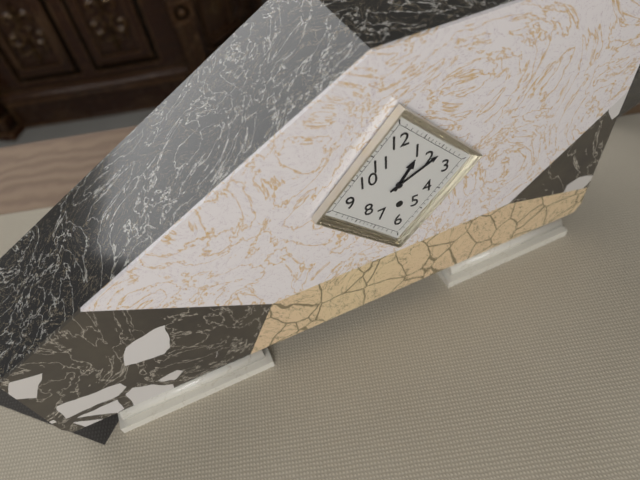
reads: 1,11
